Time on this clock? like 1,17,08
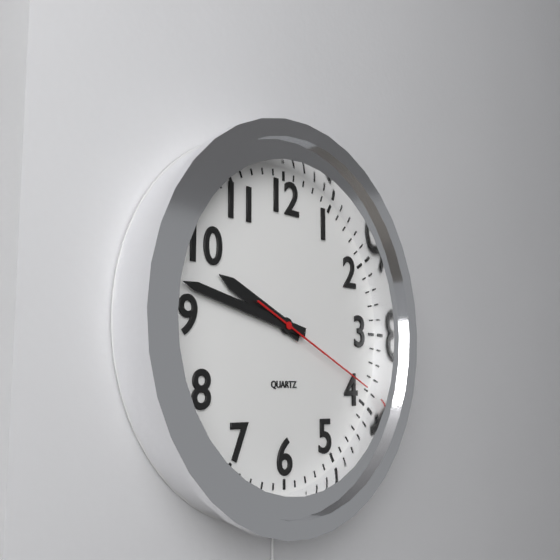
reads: 9,47,19
